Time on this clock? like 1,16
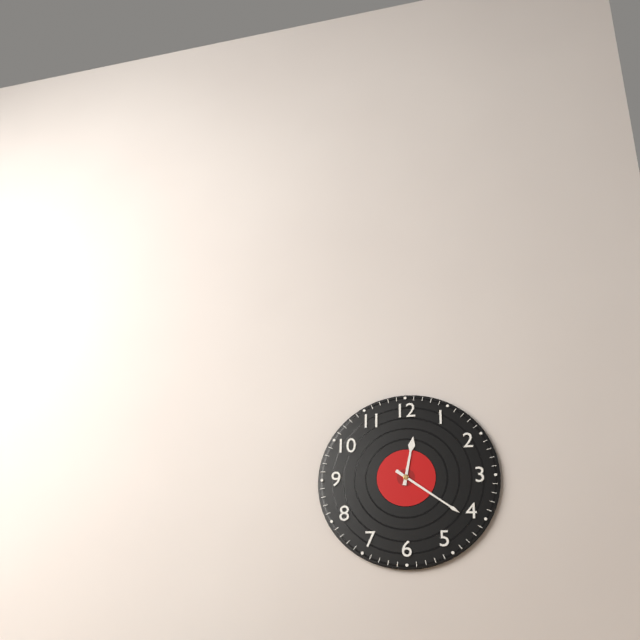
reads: 12,21
